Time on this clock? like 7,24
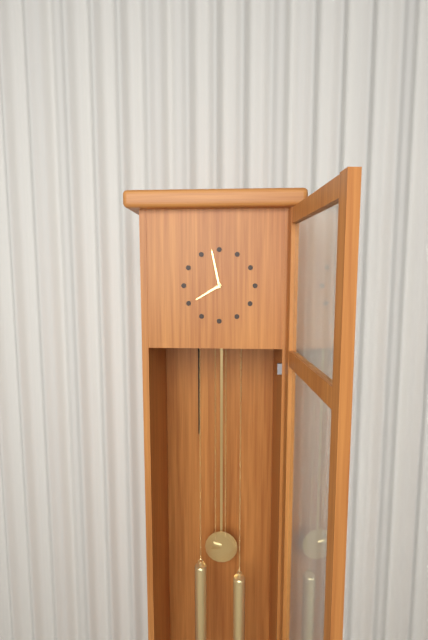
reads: 7,58
